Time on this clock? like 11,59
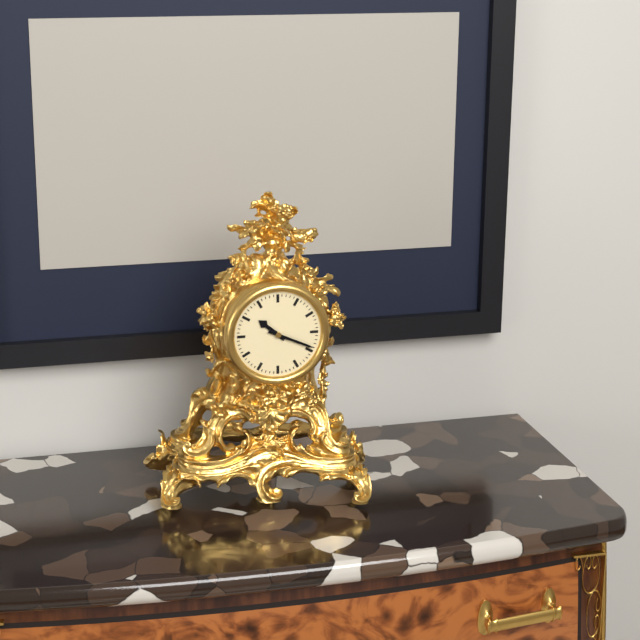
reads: 10,19
